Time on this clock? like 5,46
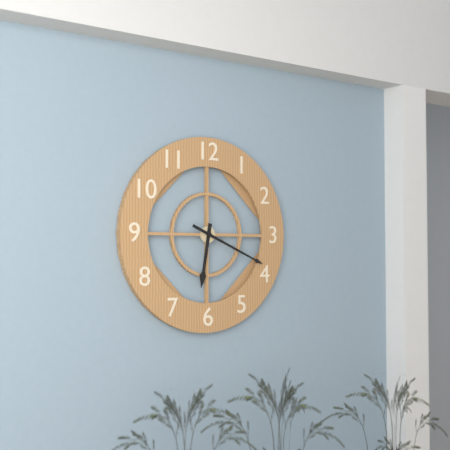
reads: 6,19
